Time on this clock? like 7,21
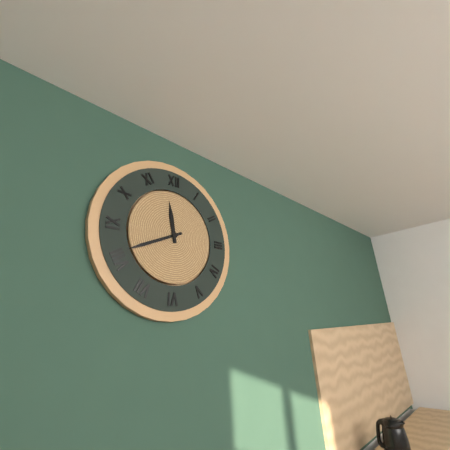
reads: 11,41
